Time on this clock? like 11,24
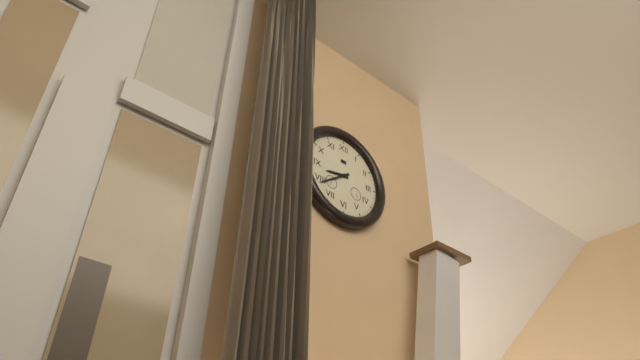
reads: 8,39
